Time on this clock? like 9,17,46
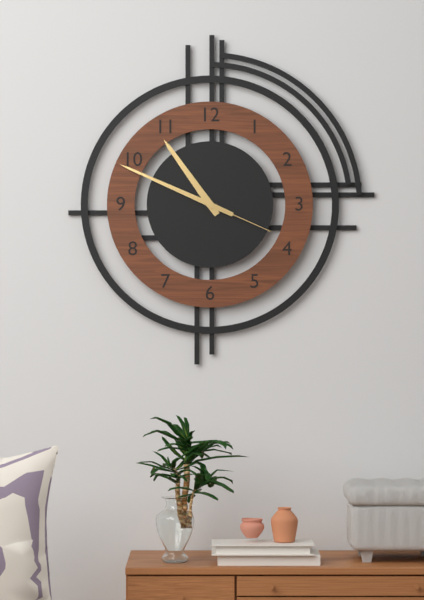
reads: 10,49,19
